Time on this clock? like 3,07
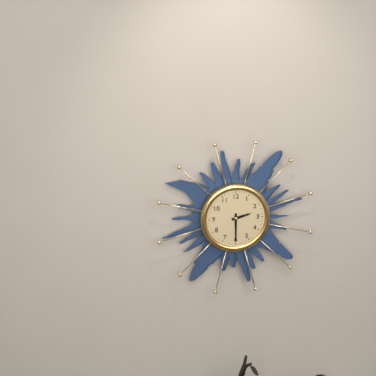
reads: 2,30
